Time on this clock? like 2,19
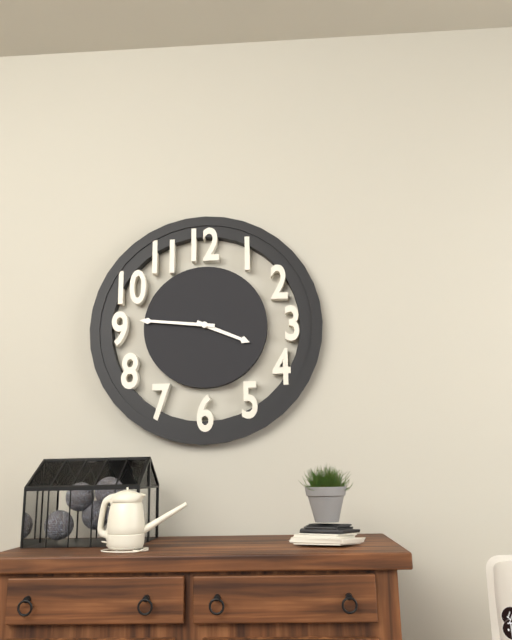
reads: 3,46
